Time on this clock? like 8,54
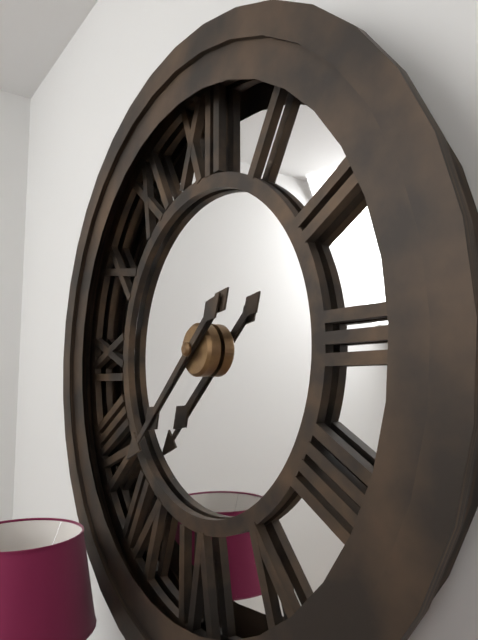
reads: 7,38
